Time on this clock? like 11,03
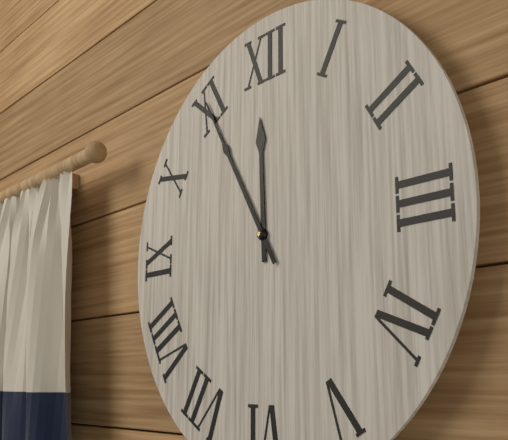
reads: 11,55
